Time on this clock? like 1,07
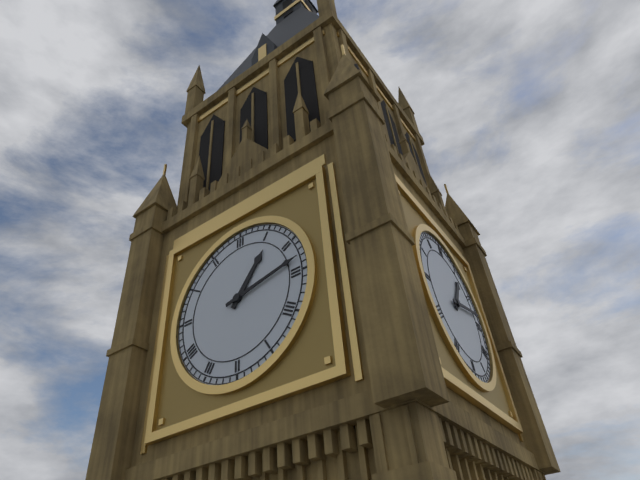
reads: 1,13
